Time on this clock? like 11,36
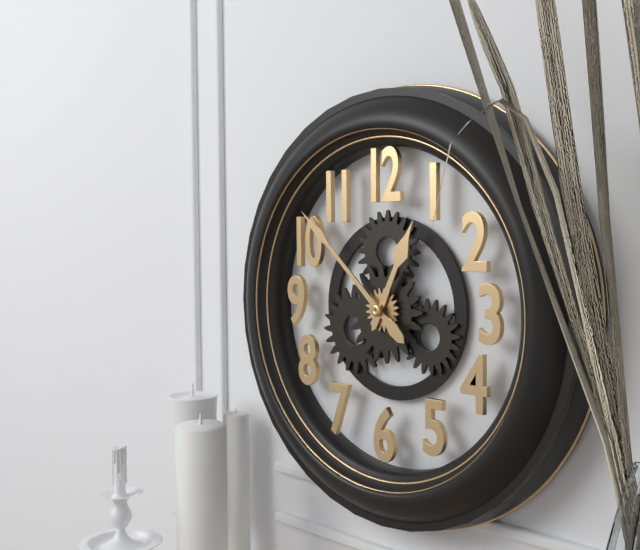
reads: 12,52
